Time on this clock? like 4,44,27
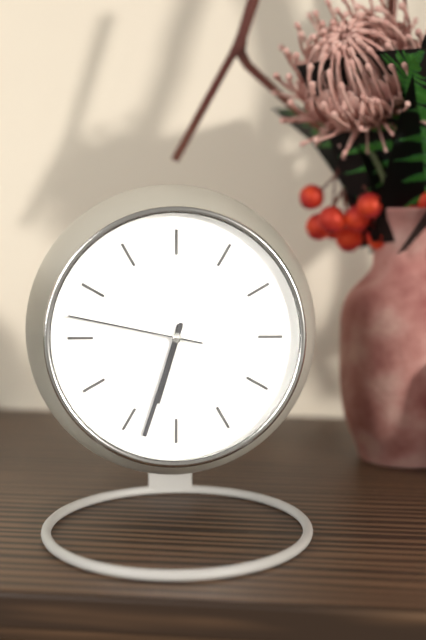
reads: 6,33,47
